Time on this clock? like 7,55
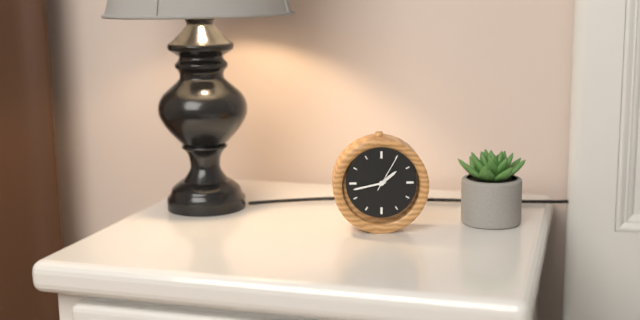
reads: 1,43
